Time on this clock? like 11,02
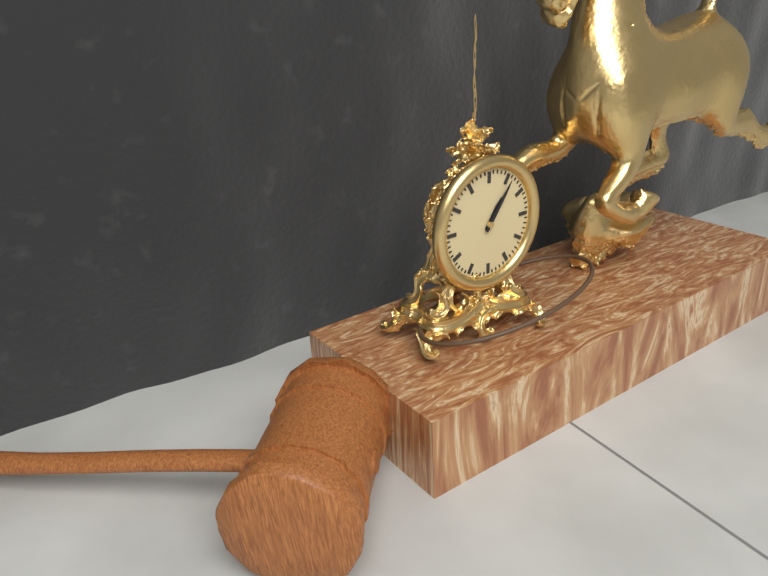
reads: 1,06
